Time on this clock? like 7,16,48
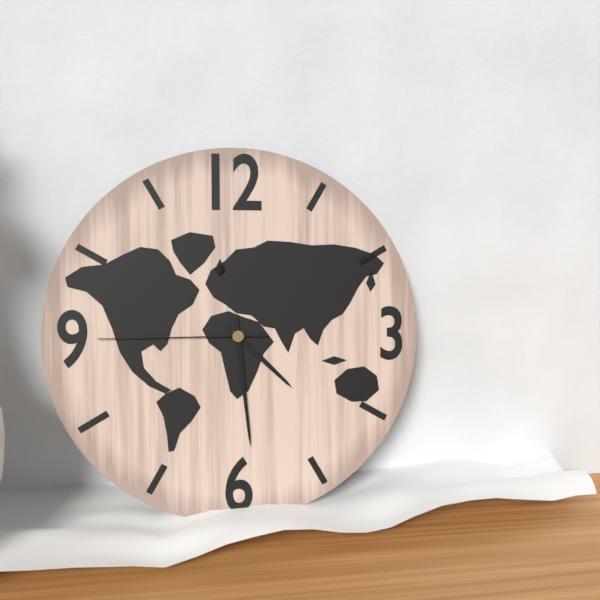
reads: 4,29,45
